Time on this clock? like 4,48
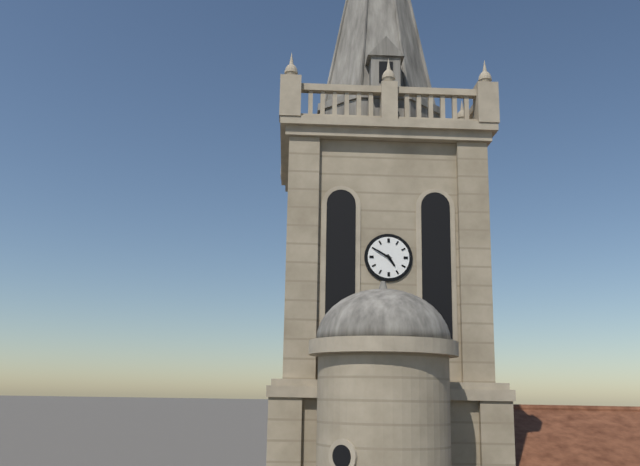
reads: 4,50
